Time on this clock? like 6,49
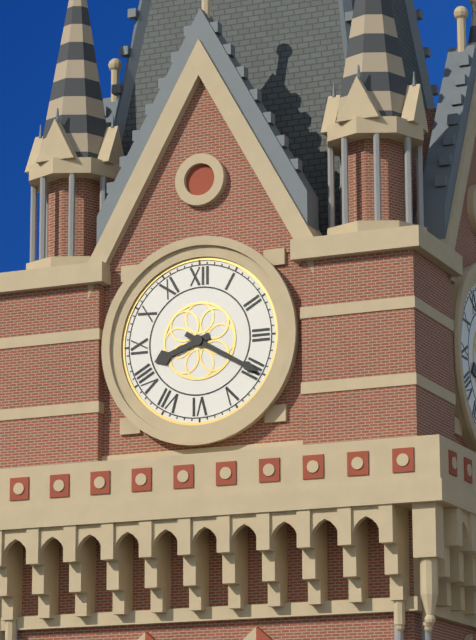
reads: 8,20
